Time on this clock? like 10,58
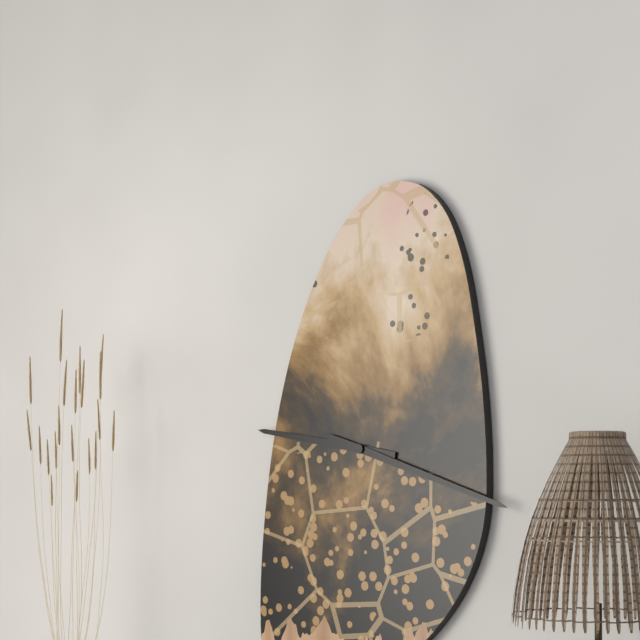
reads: 9,18
